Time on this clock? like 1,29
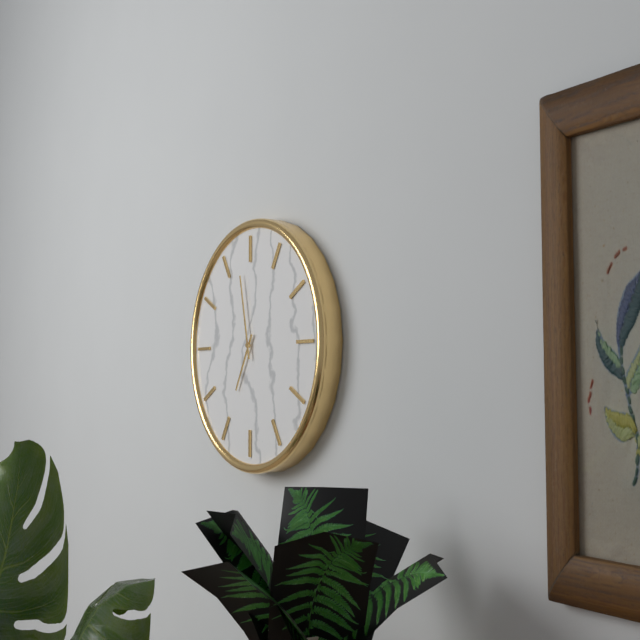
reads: 6,58
